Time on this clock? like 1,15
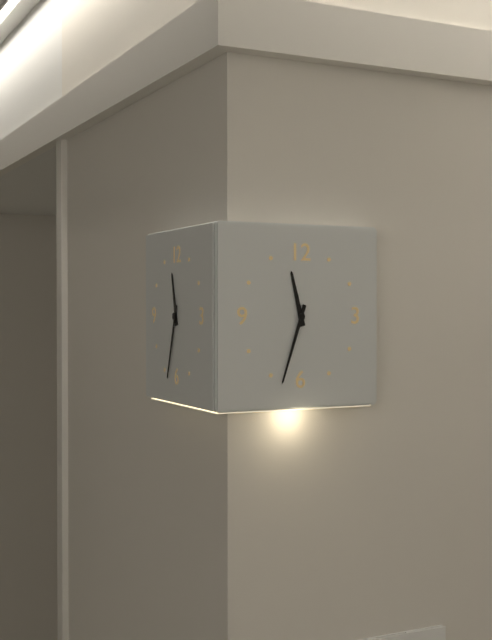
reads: 11,33
